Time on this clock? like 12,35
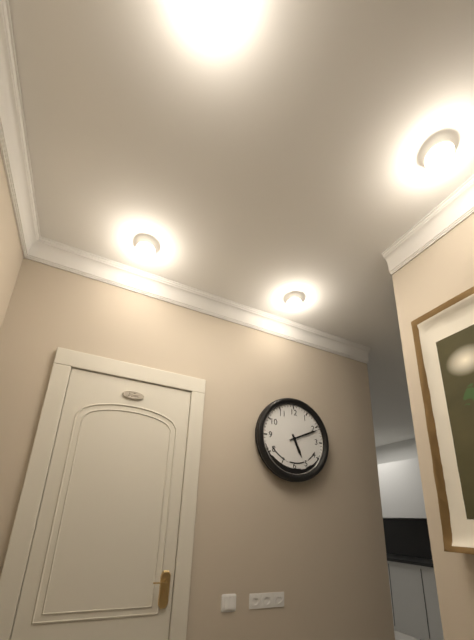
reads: 5,11
